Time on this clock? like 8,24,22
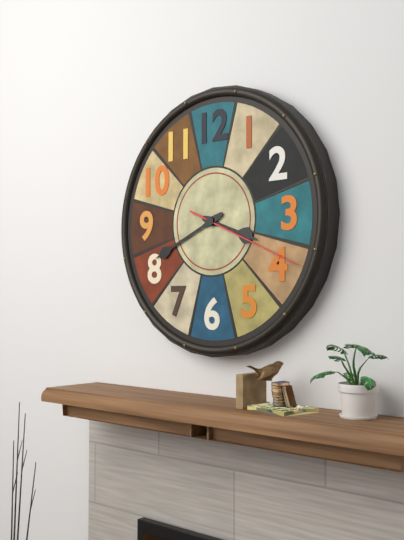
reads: 3,41,19
